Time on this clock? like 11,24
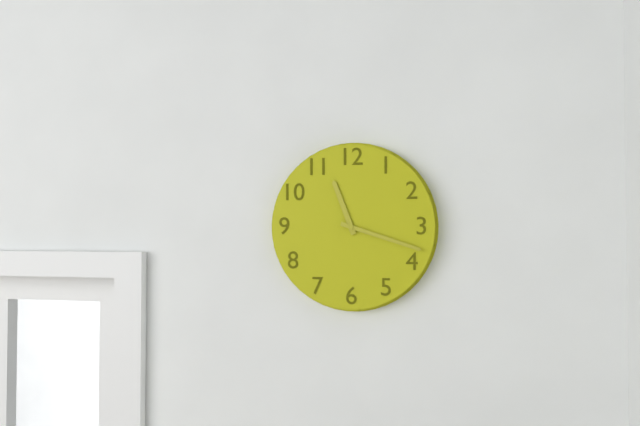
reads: 11,18
